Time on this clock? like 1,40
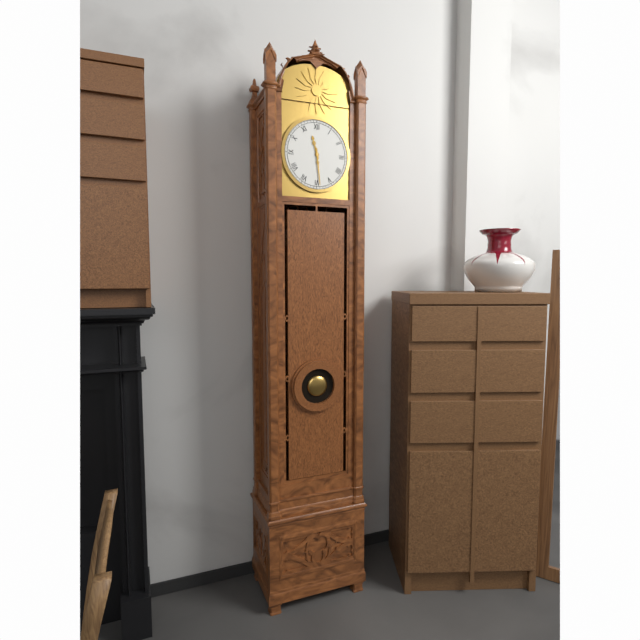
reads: 11,29
